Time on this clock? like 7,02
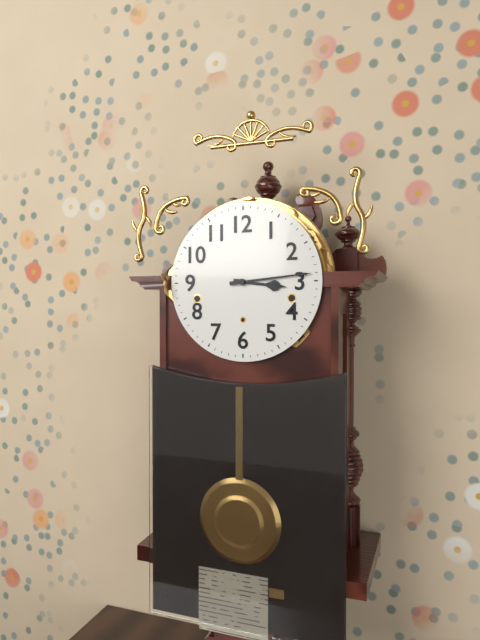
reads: 3,14
